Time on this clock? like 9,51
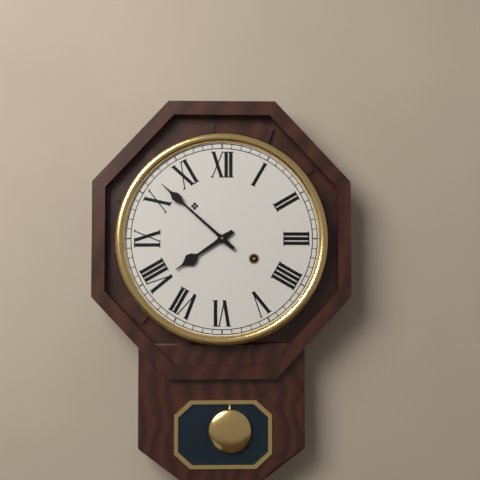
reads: 7,52
